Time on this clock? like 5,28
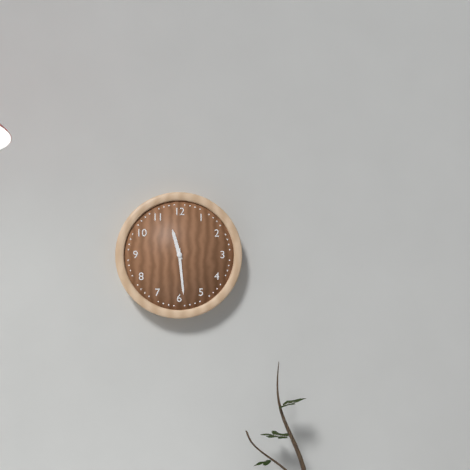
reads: 11,29
